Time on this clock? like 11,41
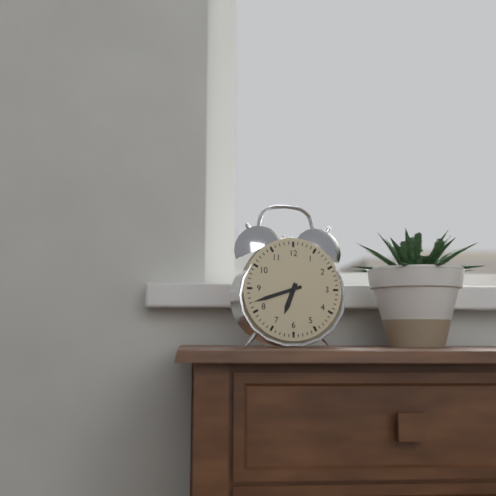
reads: 6,42
